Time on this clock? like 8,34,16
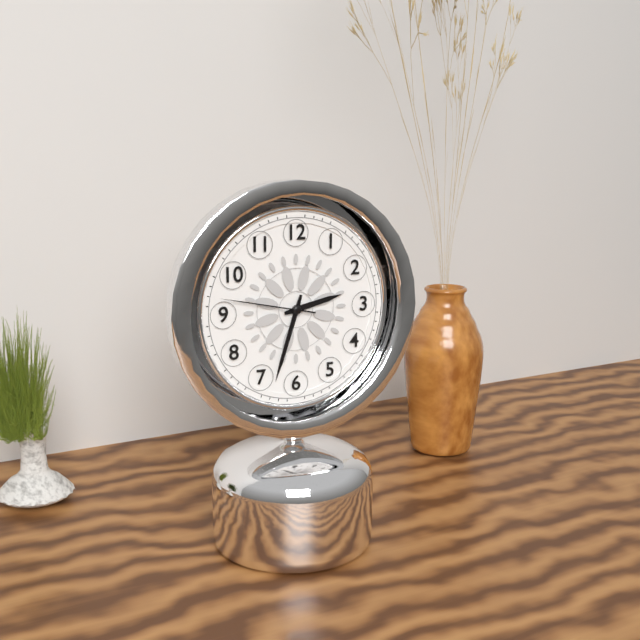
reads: 2,33,47
